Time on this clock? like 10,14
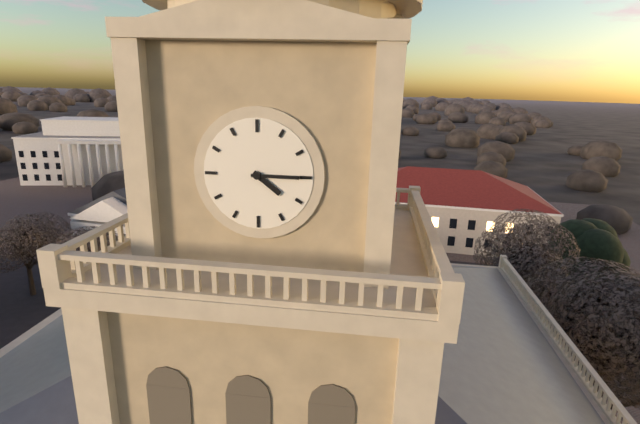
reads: 4,15
